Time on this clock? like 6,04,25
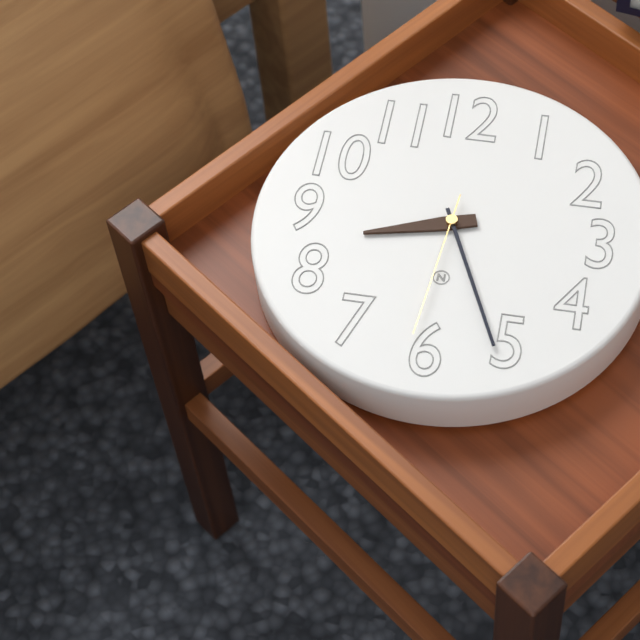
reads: 8,26,31
